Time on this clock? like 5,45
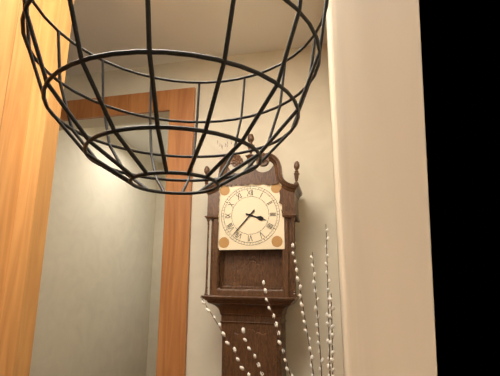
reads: 3,37
